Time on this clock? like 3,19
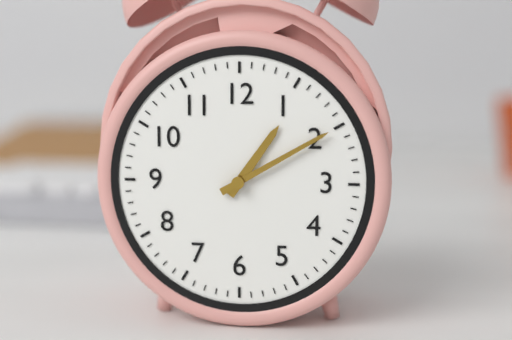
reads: 1,10
